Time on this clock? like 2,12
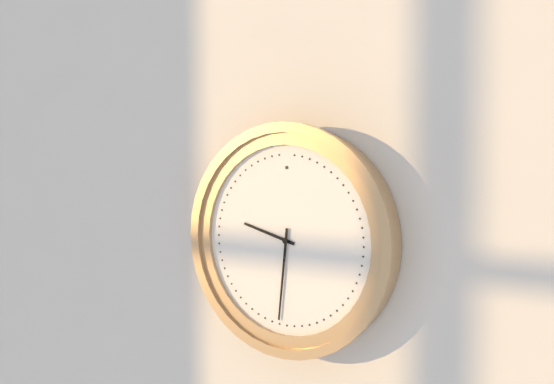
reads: 9,31
